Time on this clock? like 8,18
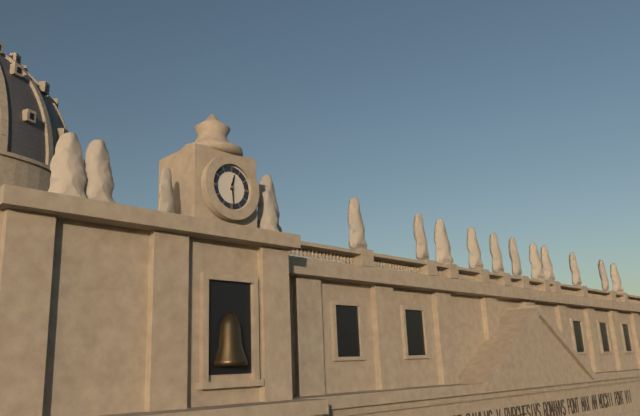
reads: 12,29
